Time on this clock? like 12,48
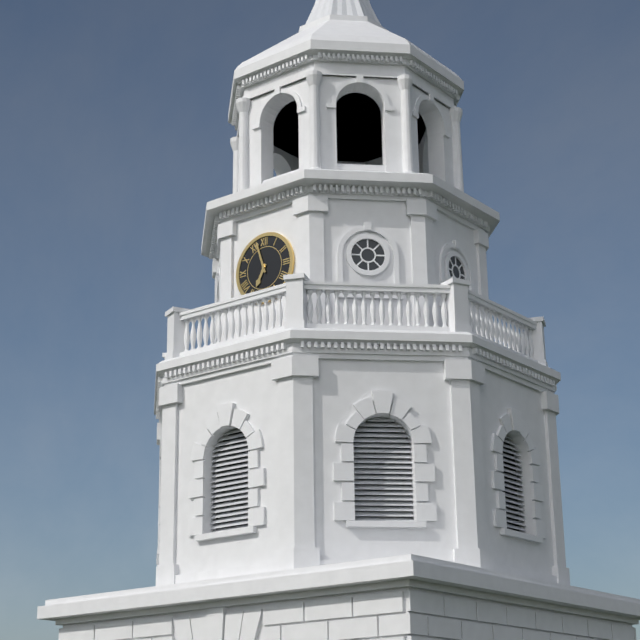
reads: 6,57
